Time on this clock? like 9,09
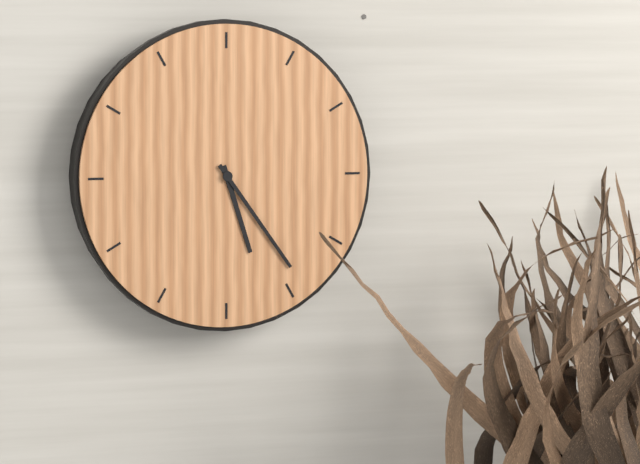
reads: 5,24
